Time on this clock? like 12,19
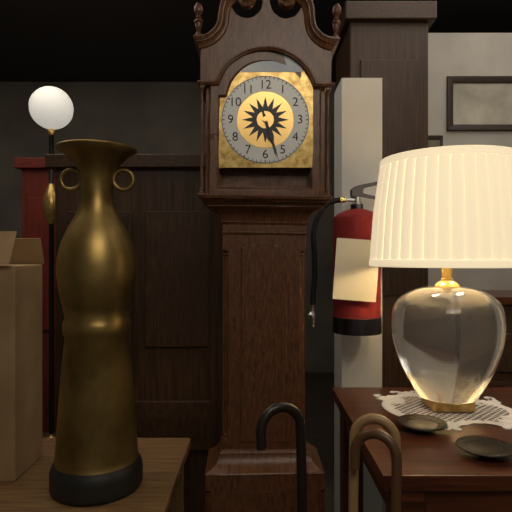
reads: 5,27
